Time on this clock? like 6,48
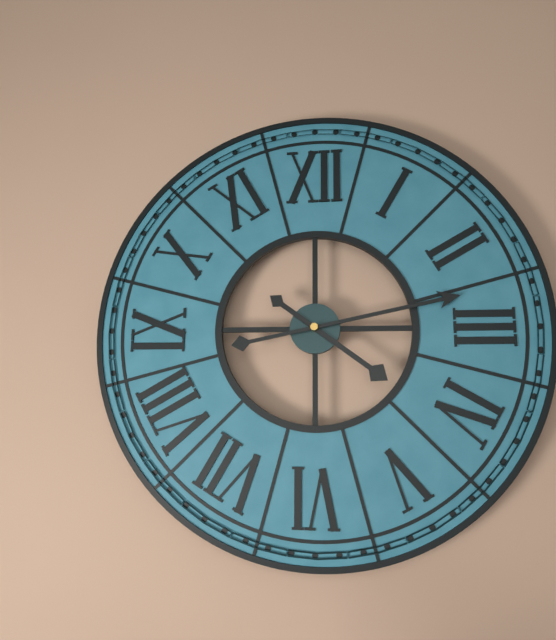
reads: 4,13
